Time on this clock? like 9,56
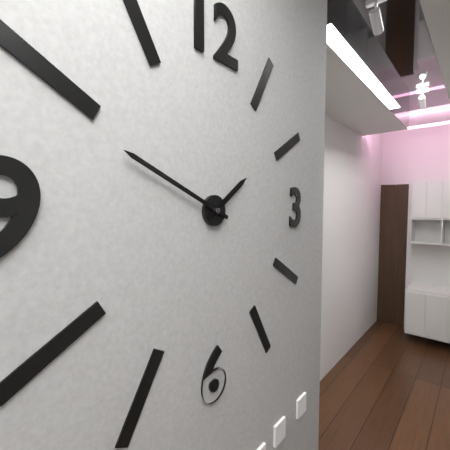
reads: 1,49
